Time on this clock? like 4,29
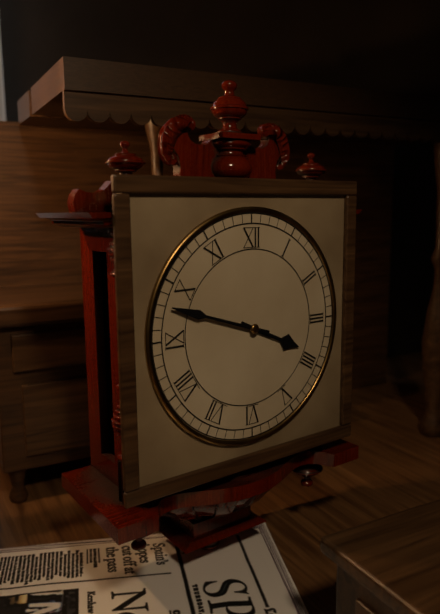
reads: 3,48
